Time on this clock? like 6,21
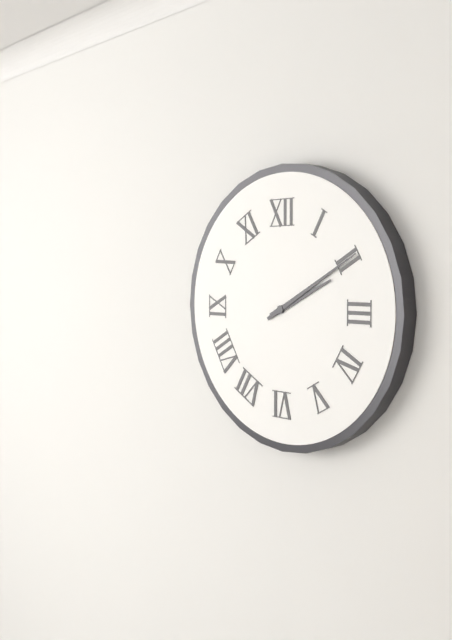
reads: 2,10
